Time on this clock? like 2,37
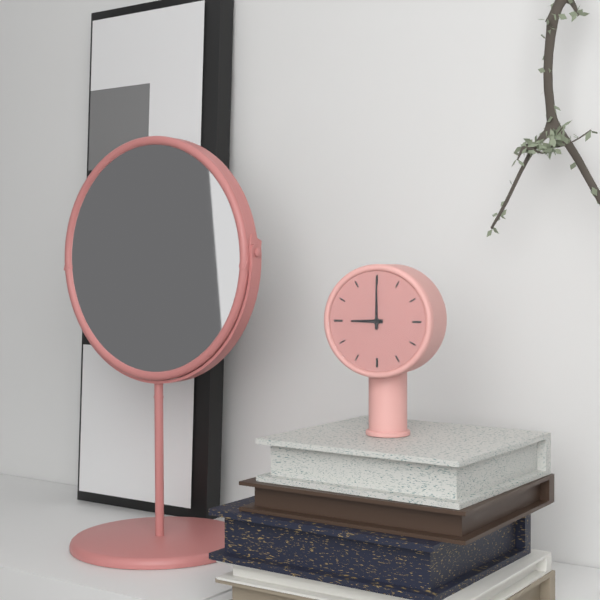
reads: 9,00
